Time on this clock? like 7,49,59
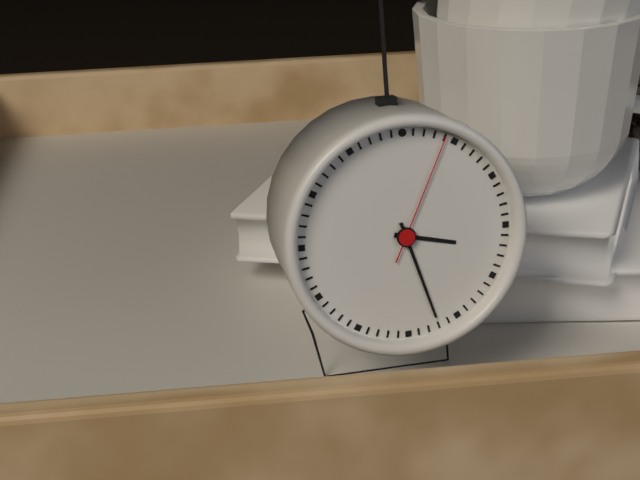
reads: 3,27,04
